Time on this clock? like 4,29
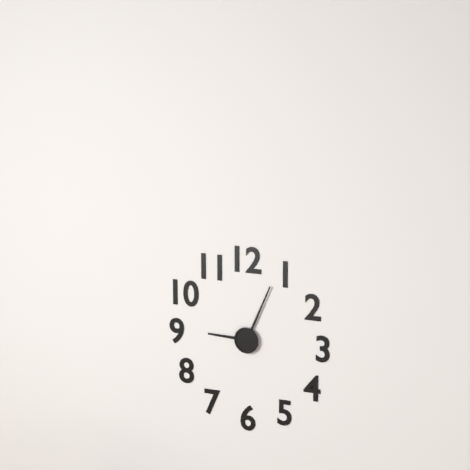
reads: 9,04
